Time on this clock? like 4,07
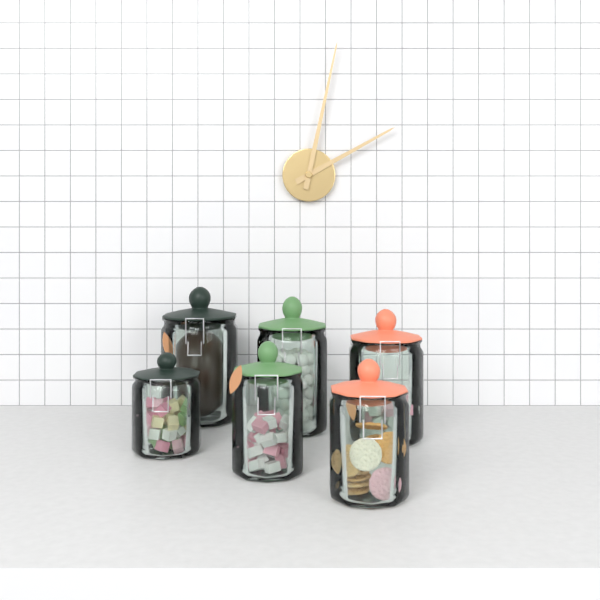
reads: 2,02
